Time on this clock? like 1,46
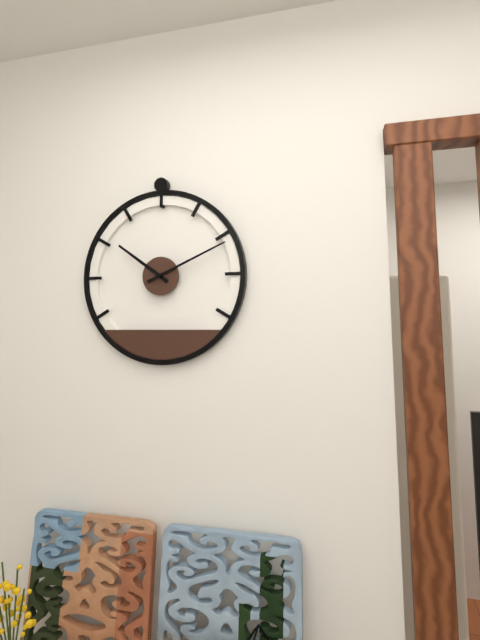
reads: 10,11
